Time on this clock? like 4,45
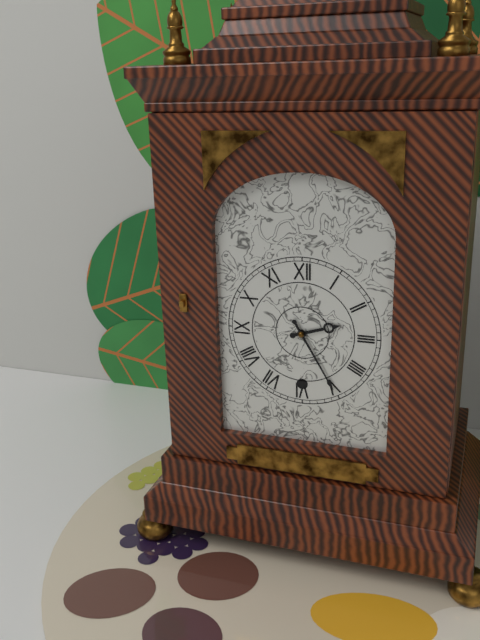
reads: 2,25
